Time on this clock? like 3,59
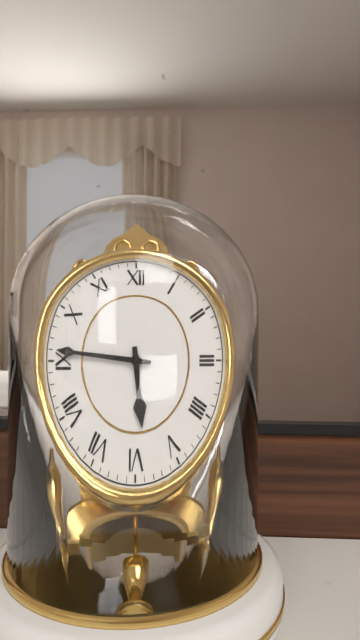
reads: 5,46
